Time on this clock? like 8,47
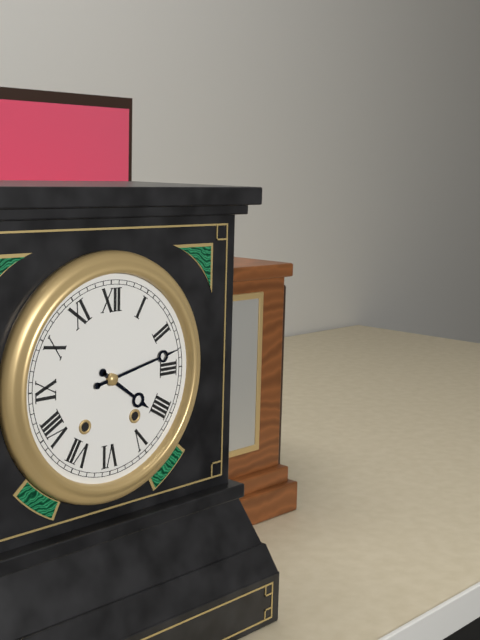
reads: 4,13
